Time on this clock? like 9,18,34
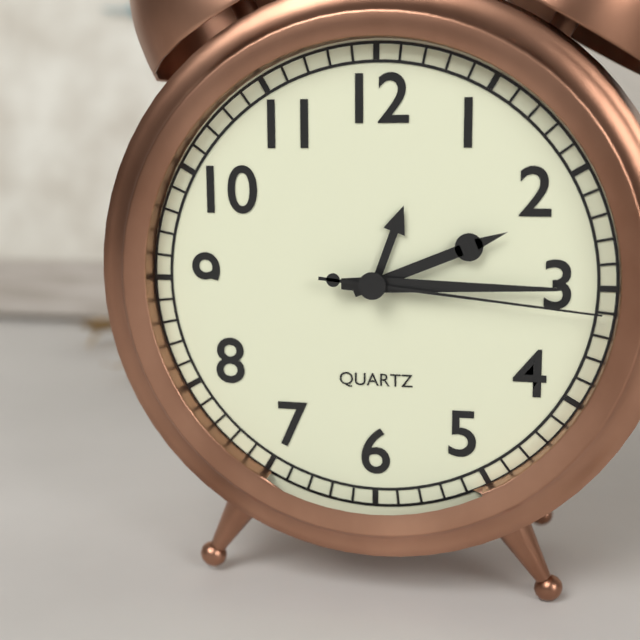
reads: 2,15,16
